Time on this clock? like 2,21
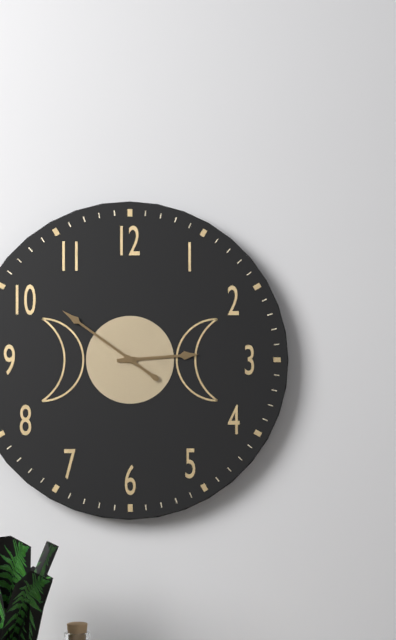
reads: 2,51
